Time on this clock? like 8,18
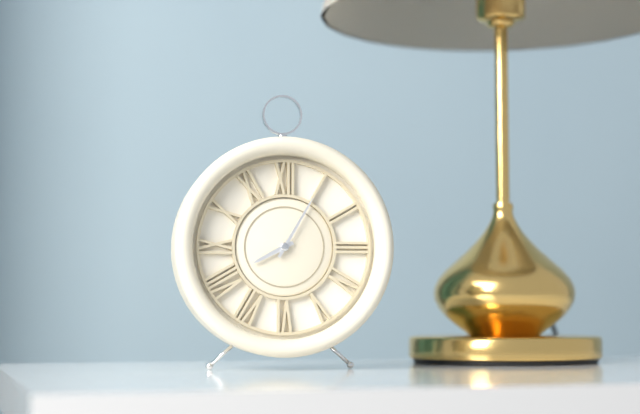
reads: 8,05
